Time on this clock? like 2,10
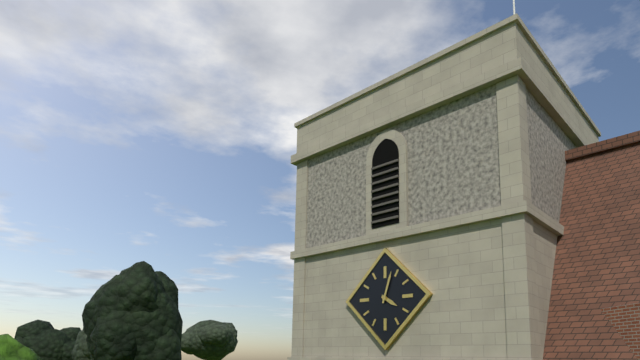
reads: 4,03
